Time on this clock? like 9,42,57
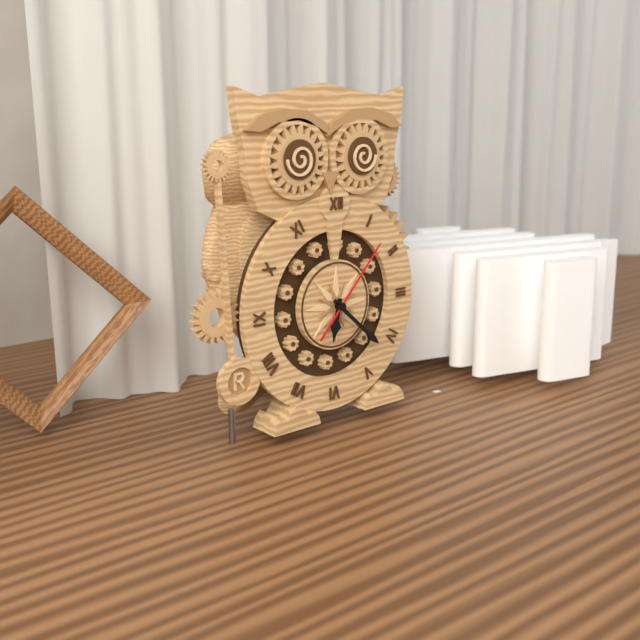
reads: 6,22,07
